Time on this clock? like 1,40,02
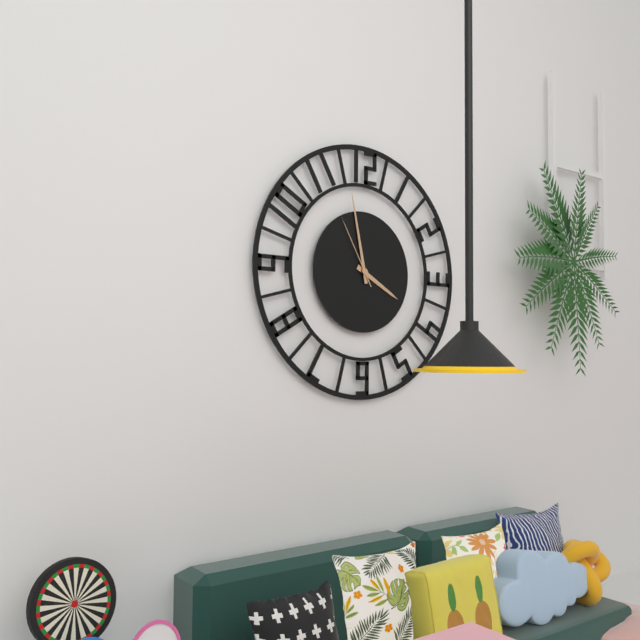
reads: 3,58,55
